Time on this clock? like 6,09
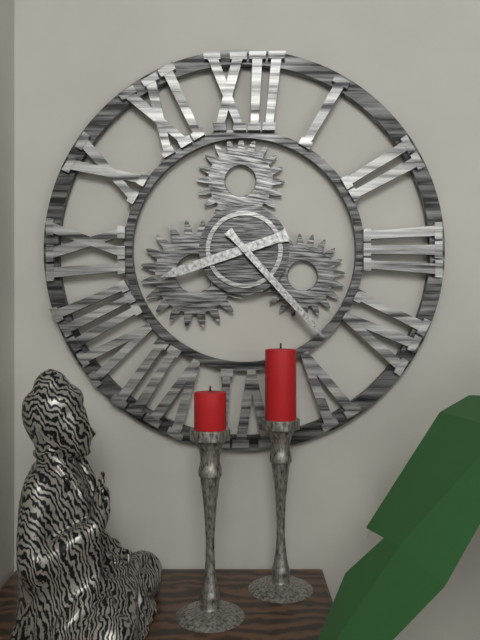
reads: 8,23
